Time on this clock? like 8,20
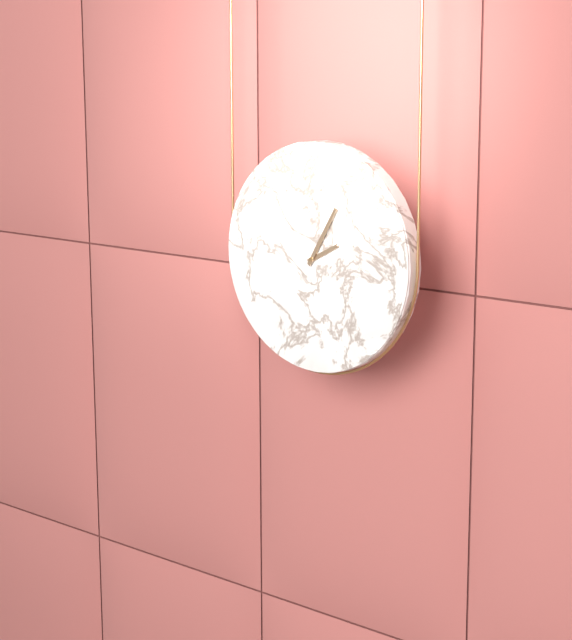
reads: 2,05
